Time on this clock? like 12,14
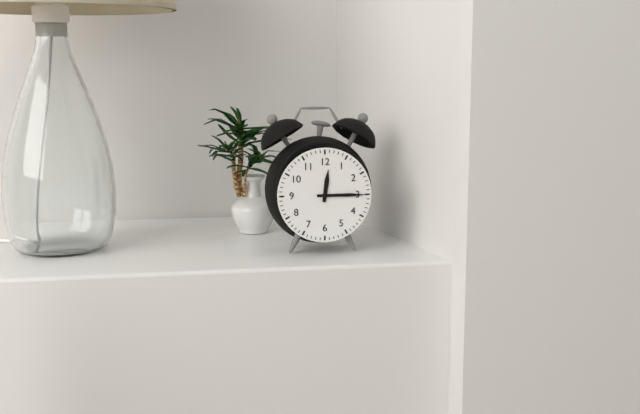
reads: 12,15
